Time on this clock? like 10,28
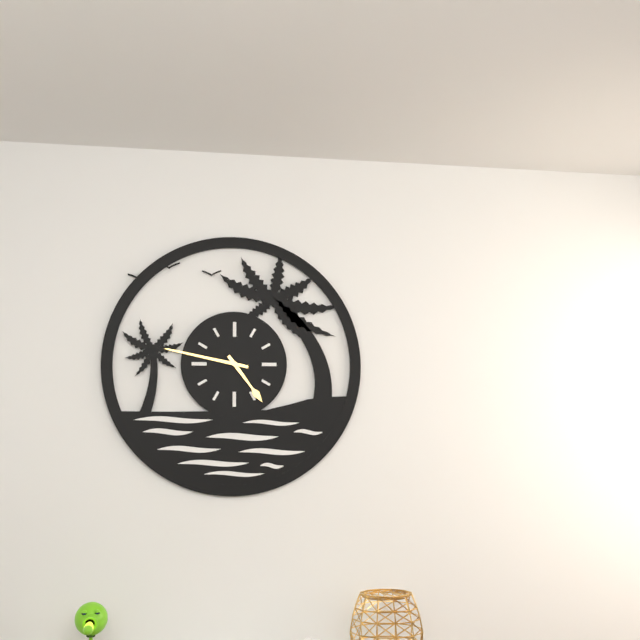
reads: 4,47
